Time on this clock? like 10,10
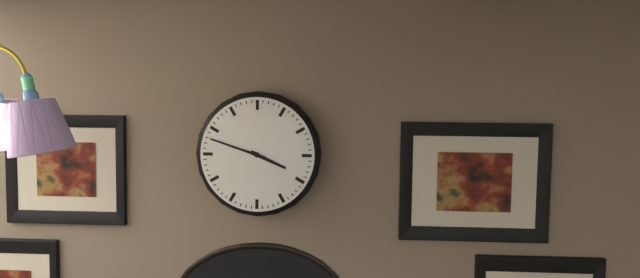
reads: 3,48
